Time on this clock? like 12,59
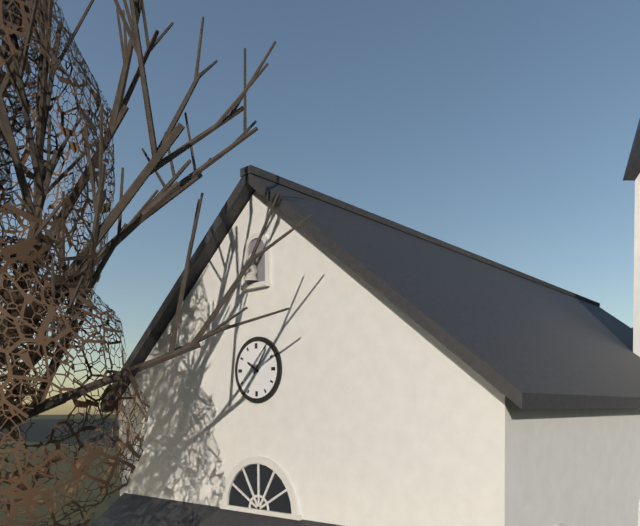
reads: 10,06
